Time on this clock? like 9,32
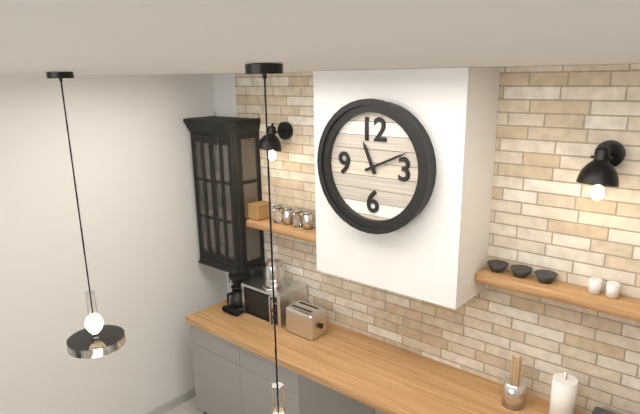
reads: 11,11
